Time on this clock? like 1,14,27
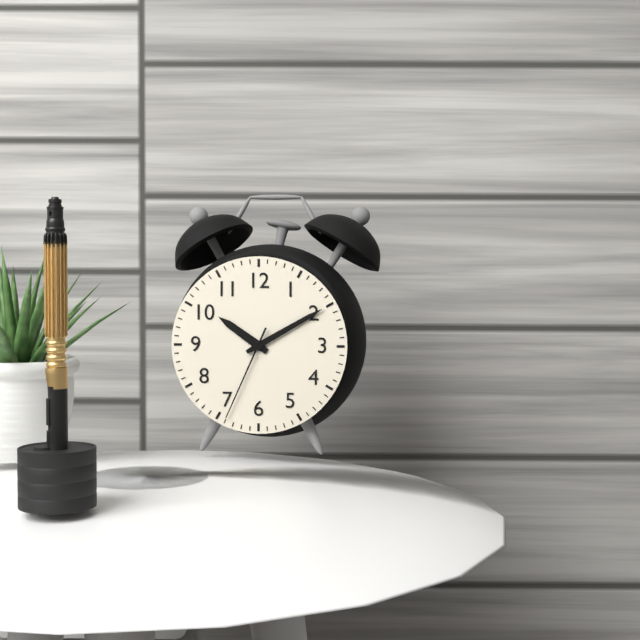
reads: 10,10,34
